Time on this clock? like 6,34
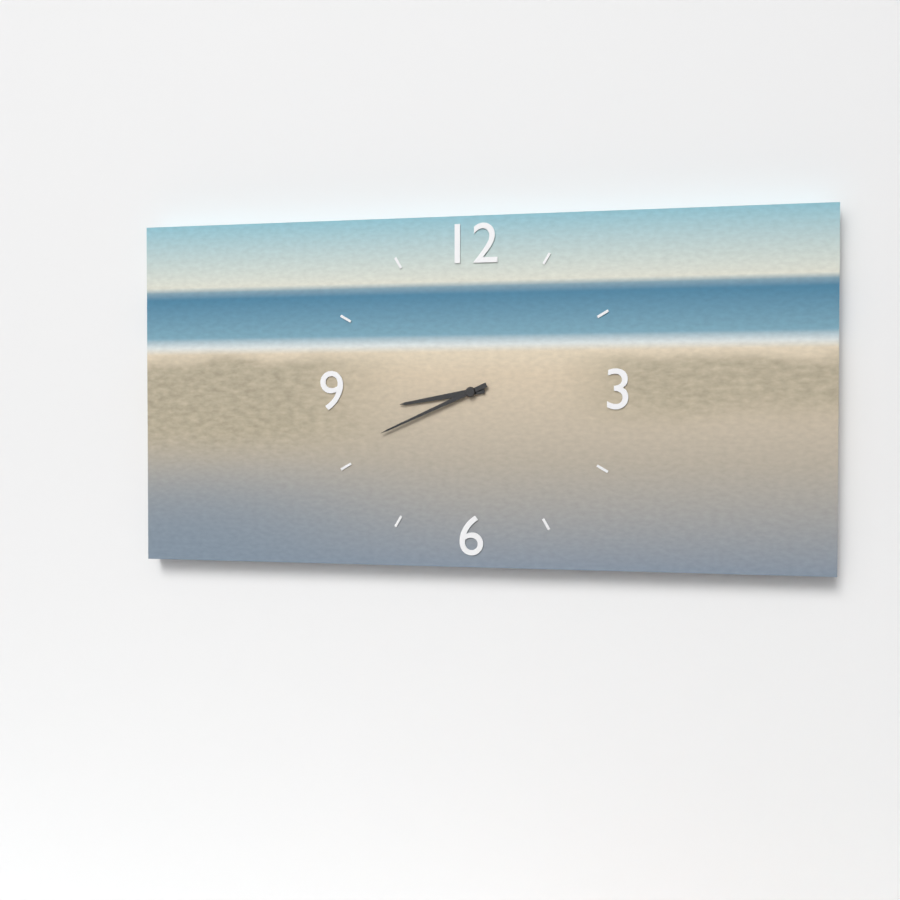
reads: 8,41
